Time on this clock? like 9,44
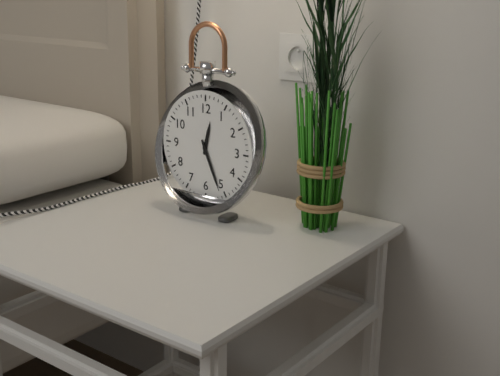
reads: 12,26
